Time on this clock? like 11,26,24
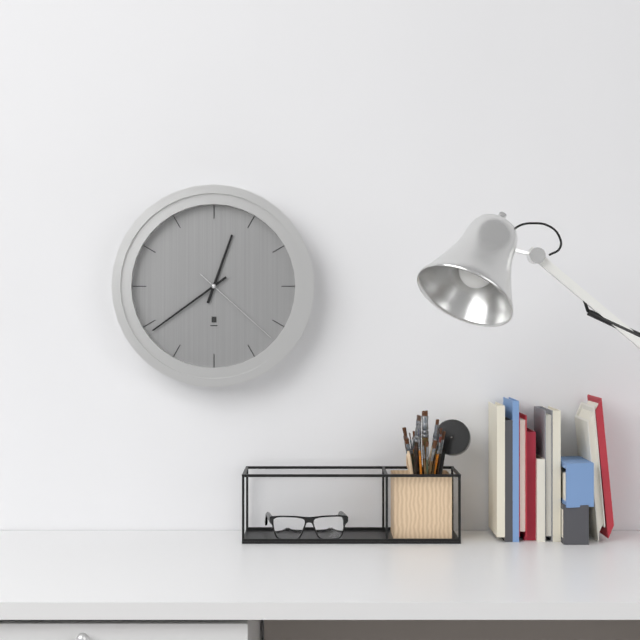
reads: 12,39,22
